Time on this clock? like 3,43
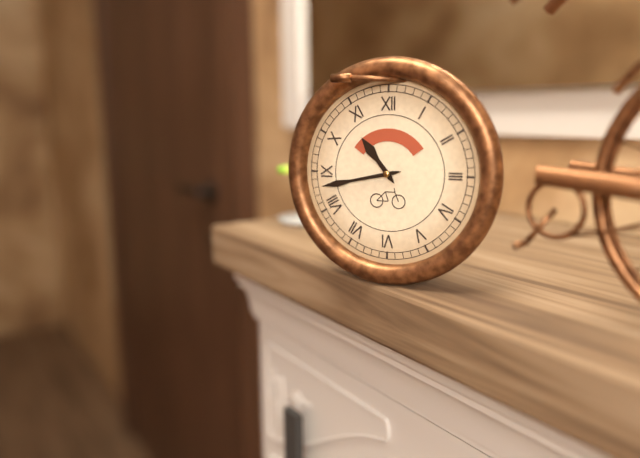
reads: 10,43
